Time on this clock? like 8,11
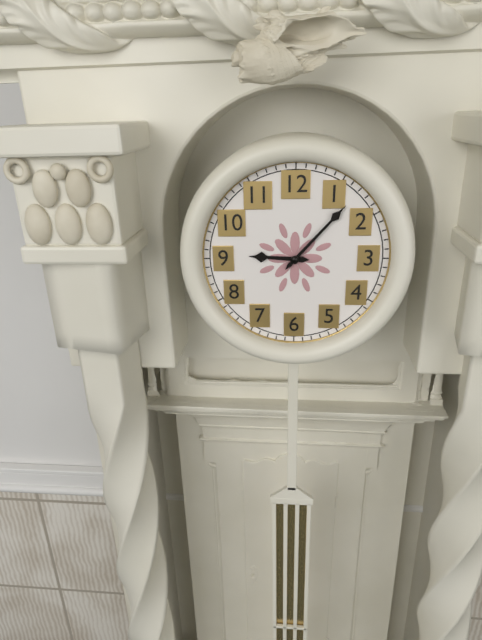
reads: 9,07
